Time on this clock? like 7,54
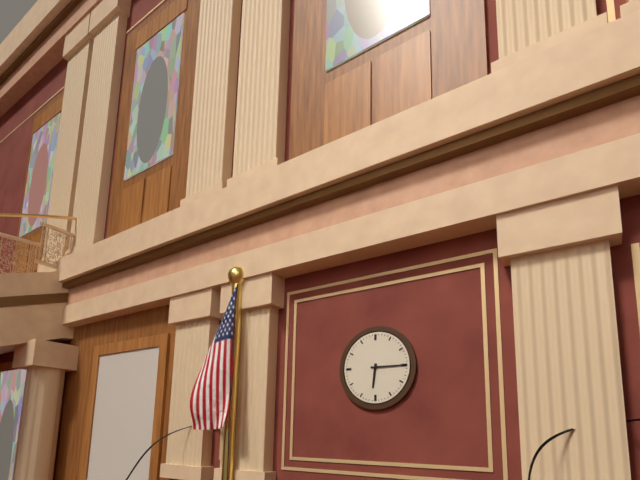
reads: 6,15
